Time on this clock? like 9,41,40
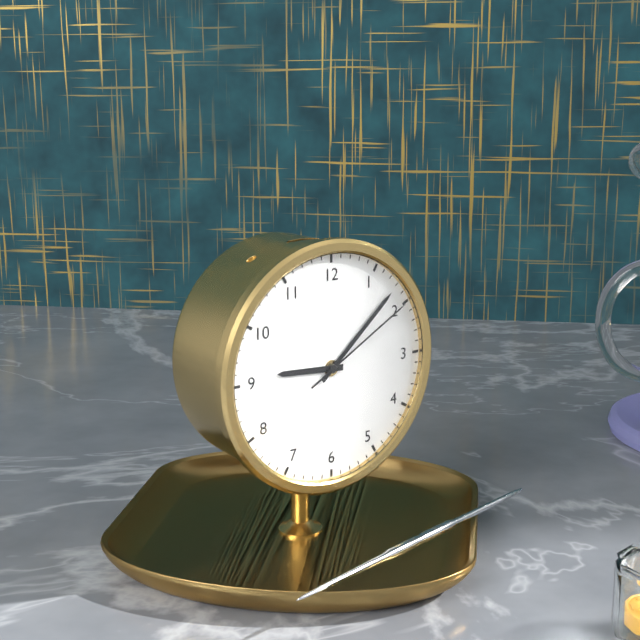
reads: 9,08,10
